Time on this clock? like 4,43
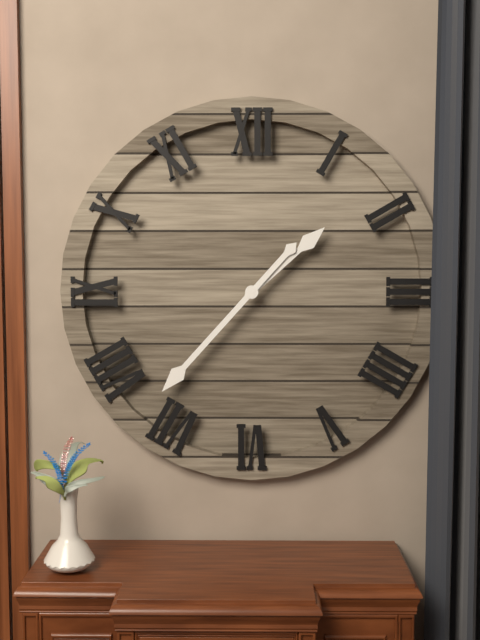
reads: 1,37
